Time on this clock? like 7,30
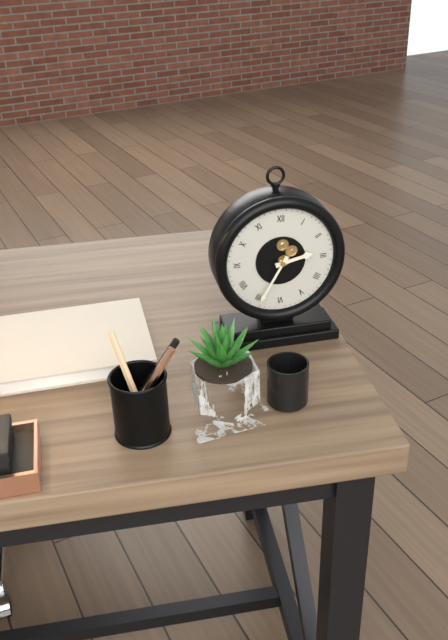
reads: 2,35
